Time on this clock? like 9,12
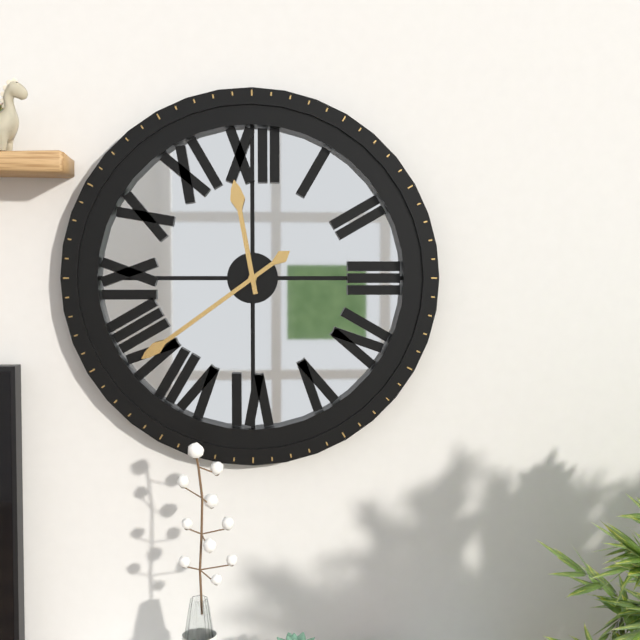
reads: 11,39
